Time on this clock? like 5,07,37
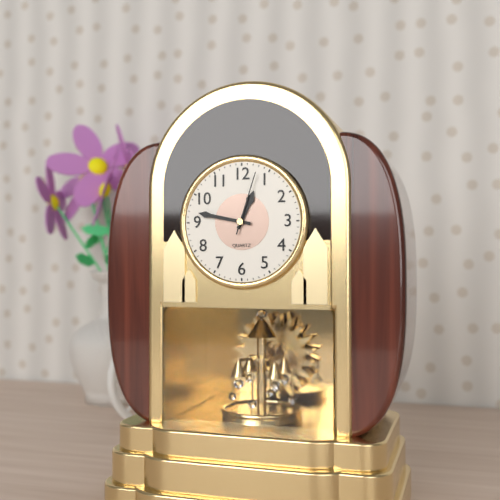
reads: 12,47,03
